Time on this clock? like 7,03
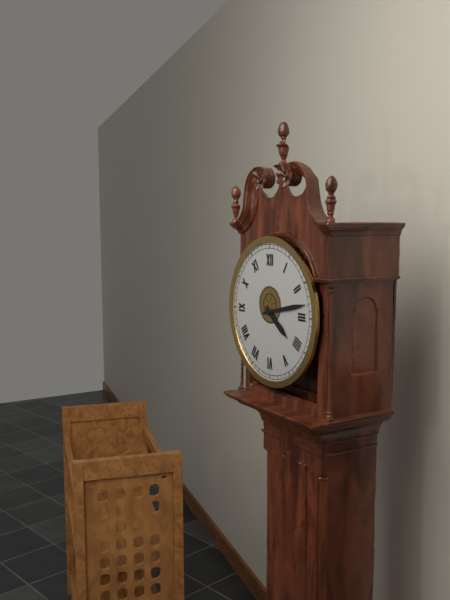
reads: 4,13
